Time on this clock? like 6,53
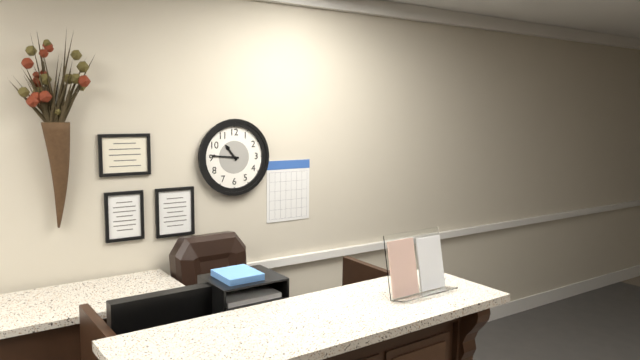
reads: 10,46
